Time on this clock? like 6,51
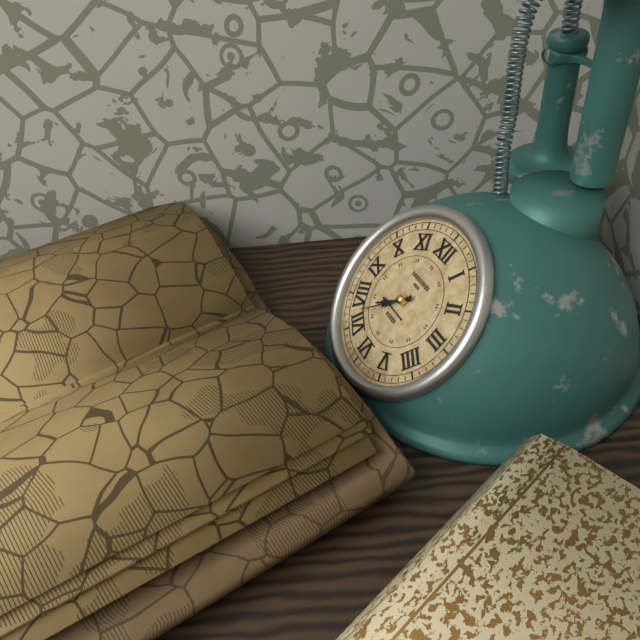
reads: 7,37
